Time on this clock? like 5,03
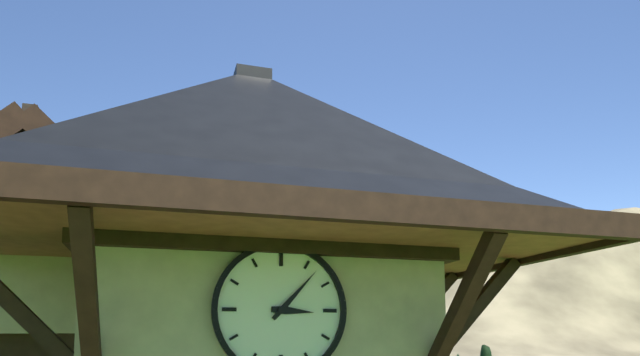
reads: 3,07
